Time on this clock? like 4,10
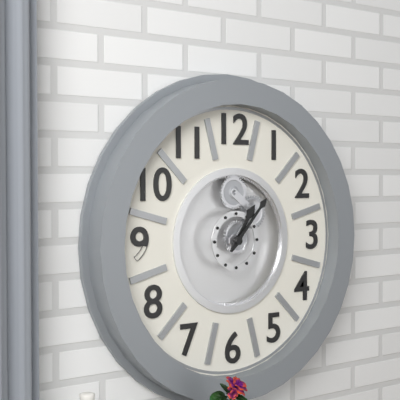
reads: 1,07
